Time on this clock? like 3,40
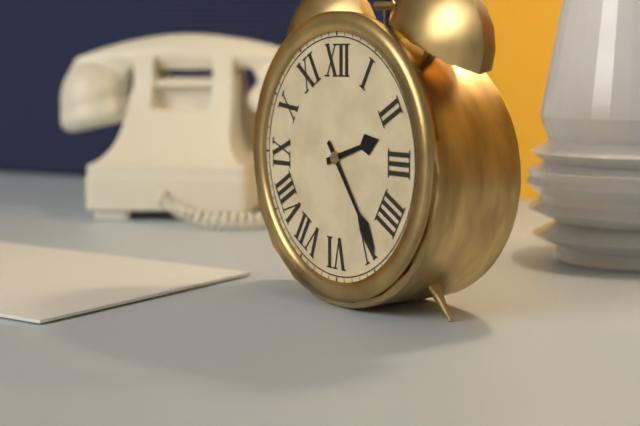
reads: 2,24
